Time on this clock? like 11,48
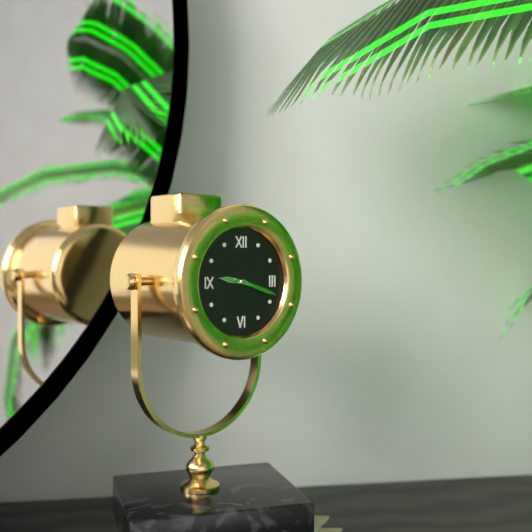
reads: 9,18
